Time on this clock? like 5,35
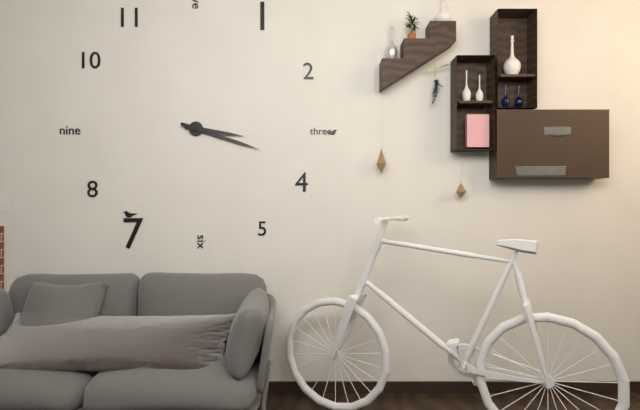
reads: 3,18
